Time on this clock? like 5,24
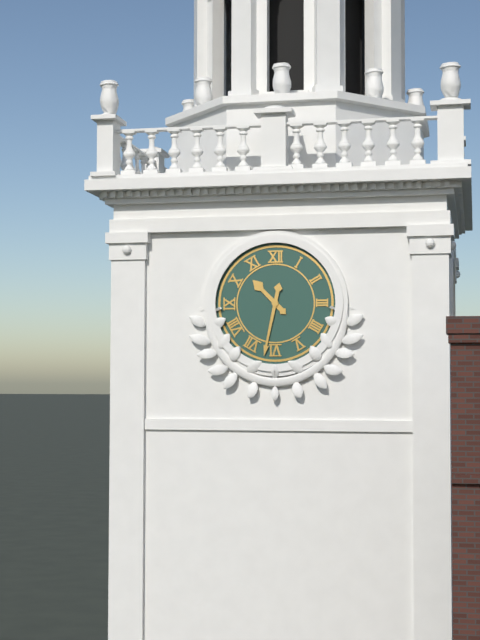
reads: 10,32
